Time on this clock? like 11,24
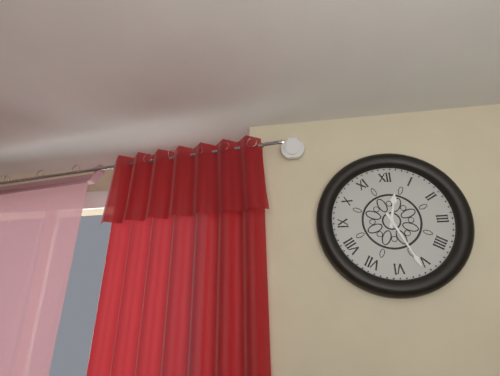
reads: 12,26
